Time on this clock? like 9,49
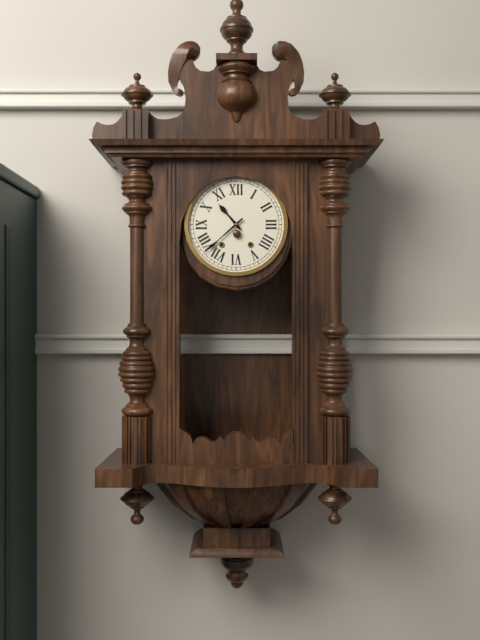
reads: 10,38
